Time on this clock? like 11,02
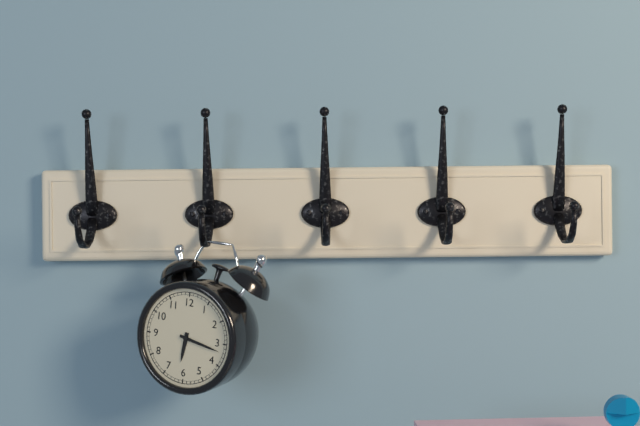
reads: 6,17
